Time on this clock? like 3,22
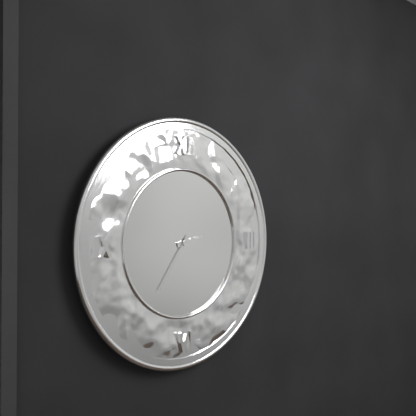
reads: 2,36
